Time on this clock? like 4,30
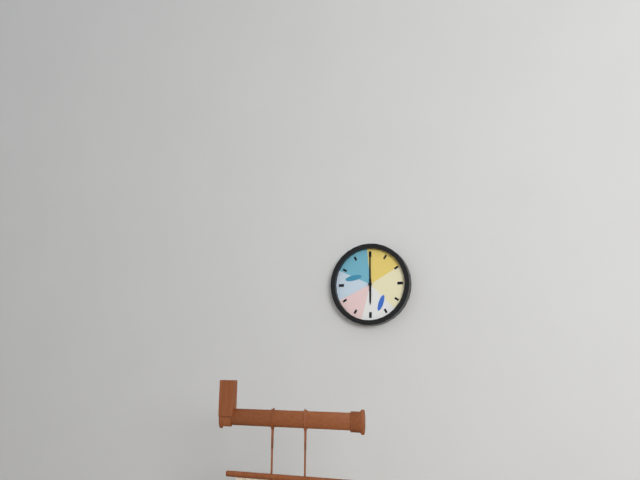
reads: 6,00
